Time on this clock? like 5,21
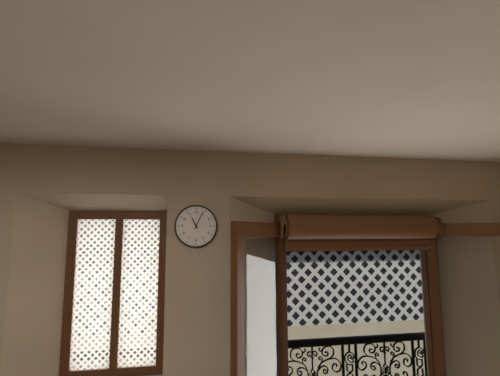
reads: 11,04
